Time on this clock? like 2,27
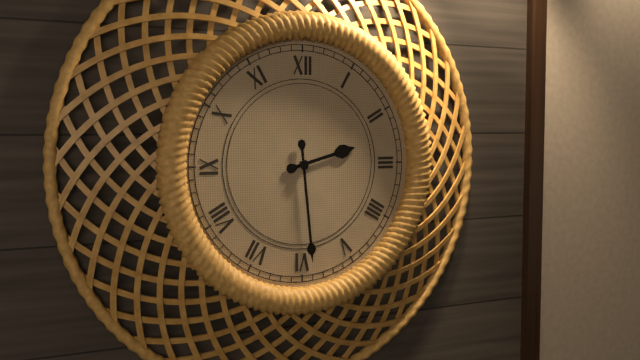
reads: 2,29
